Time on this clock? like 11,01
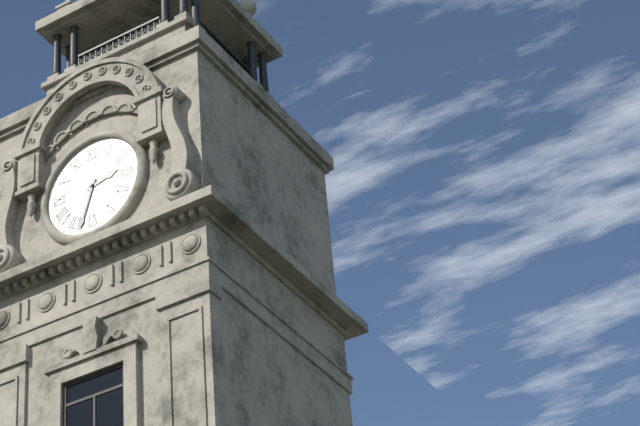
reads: 2,33
